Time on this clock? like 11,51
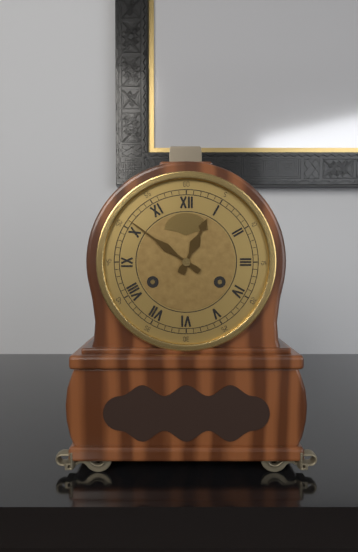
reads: 12,51
